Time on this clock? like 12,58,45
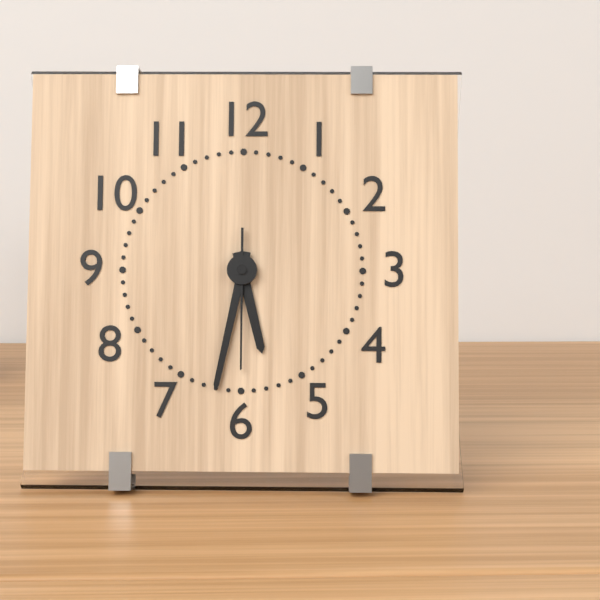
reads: 5,32,30
